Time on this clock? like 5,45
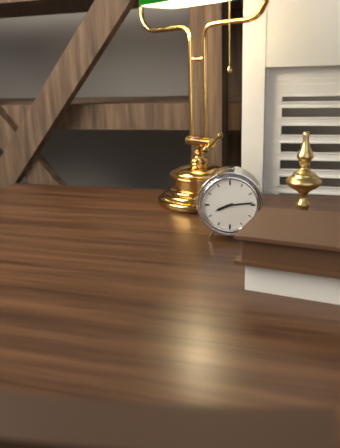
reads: 8,14
